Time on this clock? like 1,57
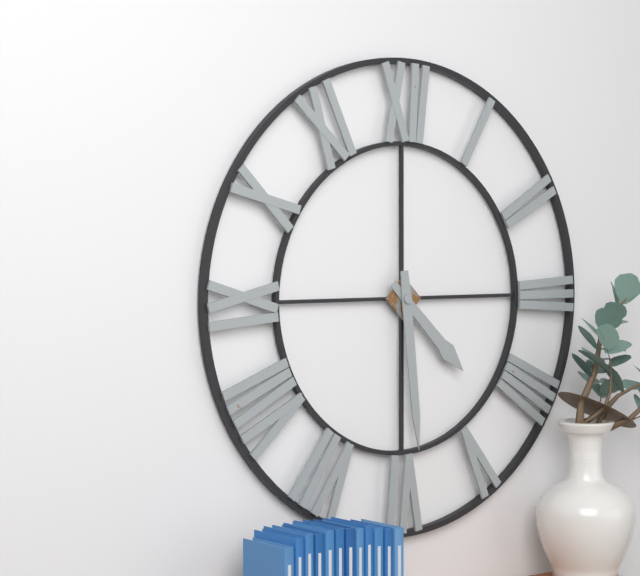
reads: 4,29
